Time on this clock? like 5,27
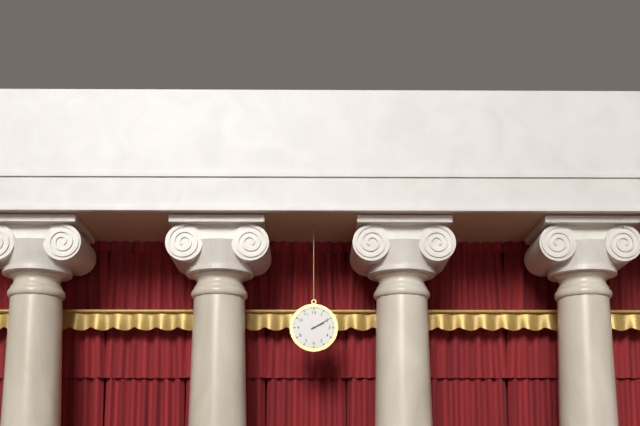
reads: 2,10
